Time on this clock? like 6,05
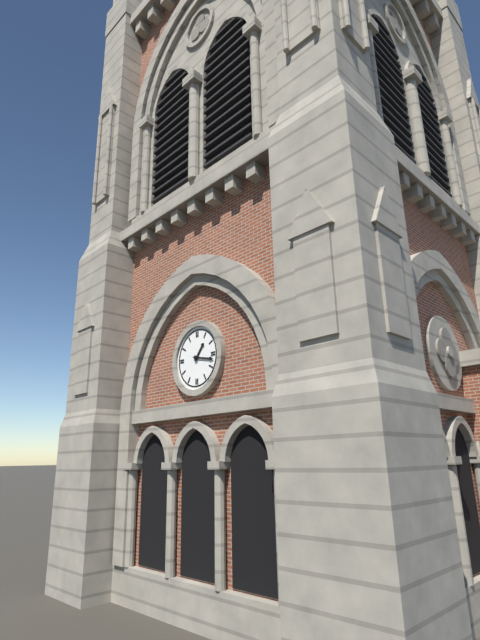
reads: 1,17
